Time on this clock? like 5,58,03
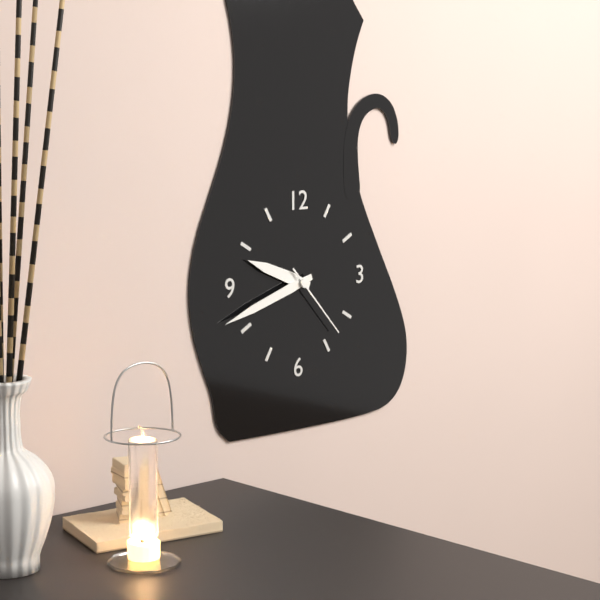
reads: 9,42,23
